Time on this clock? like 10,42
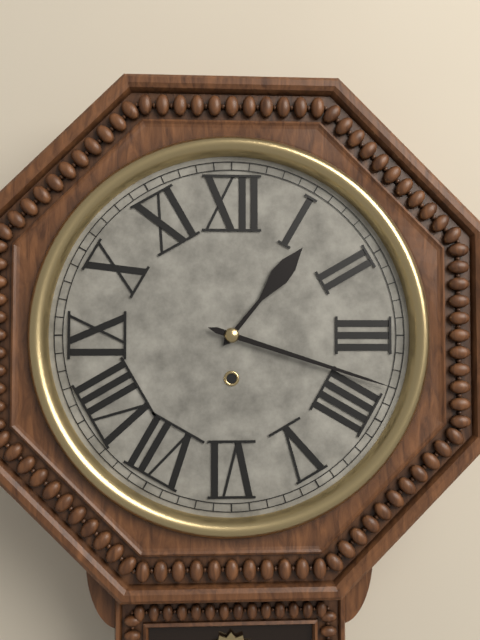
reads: 1,18
